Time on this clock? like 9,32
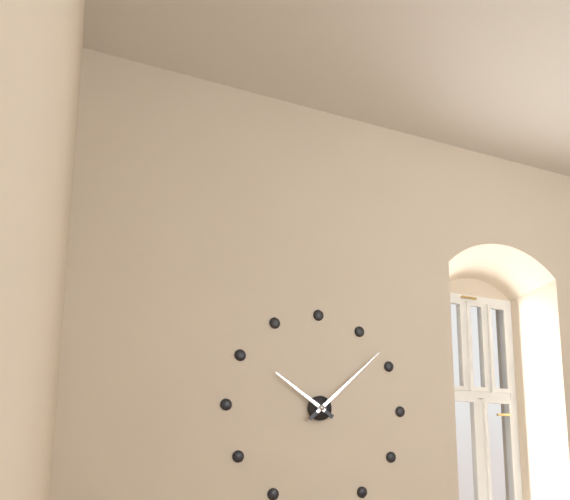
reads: 10,08
